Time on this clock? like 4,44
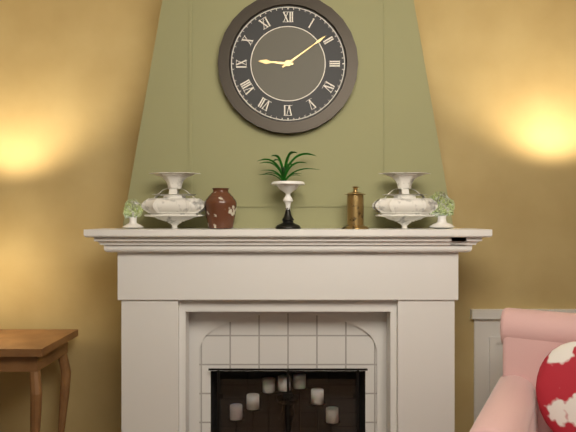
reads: 9,09
